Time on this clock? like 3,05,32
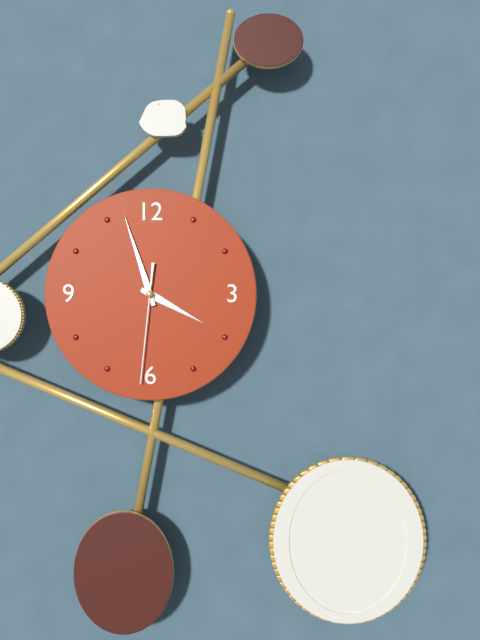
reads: 3,57,31
